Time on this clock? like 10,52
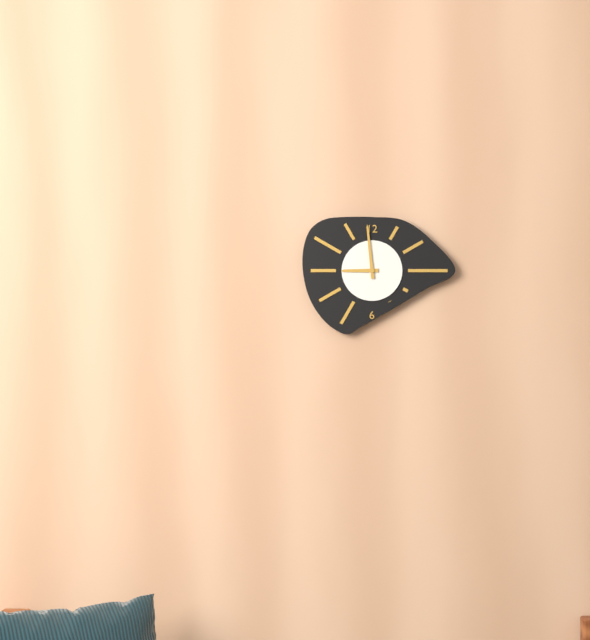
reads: 8,59
